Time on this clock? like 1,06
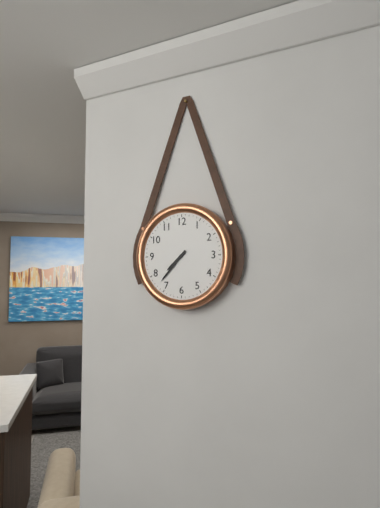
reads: 7,37
